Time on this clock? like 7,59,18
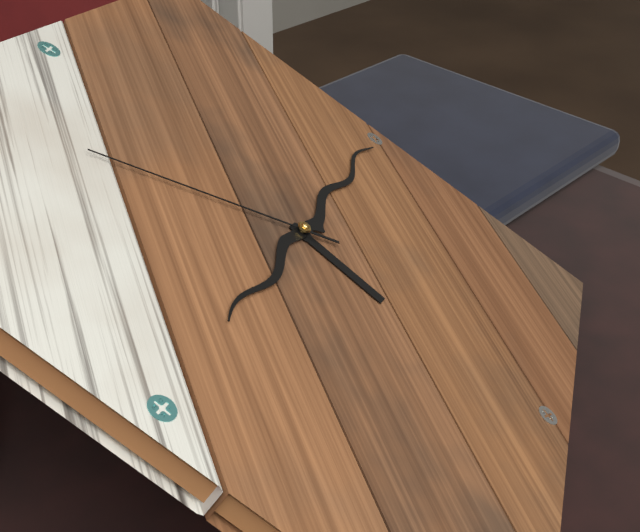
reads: 6,15,55
